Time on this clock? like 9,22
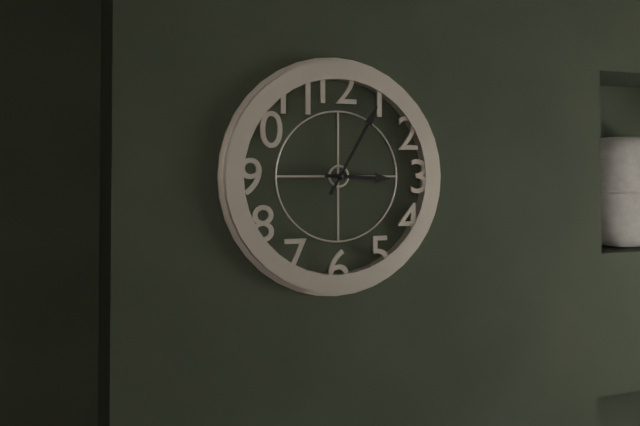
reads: 3,05
